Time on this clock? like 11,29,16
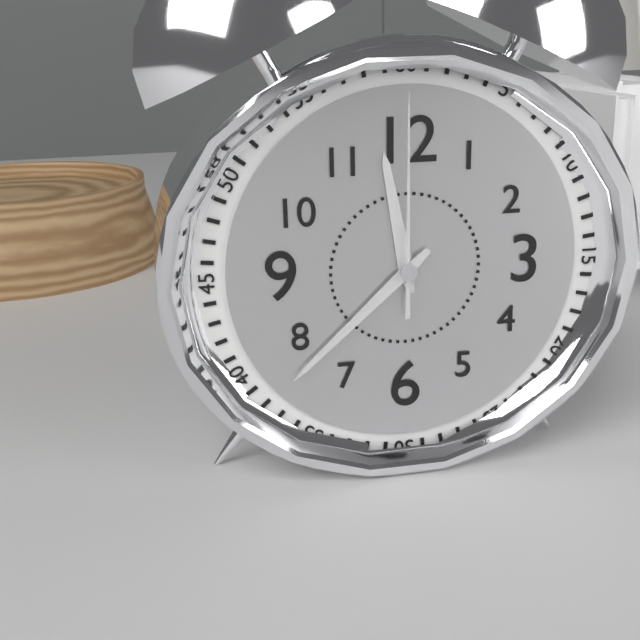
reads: 11,38,00
